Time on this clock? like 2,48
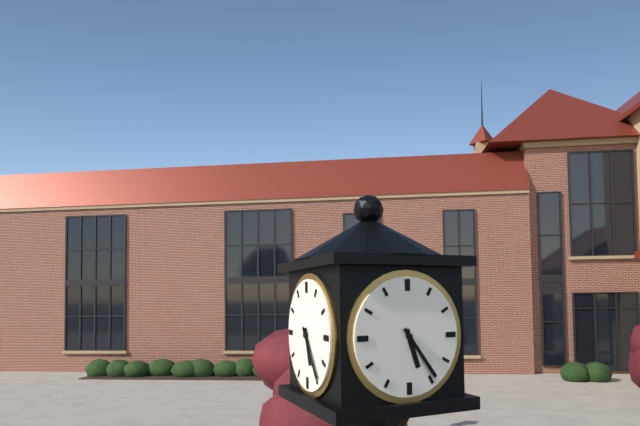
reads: 5,24
